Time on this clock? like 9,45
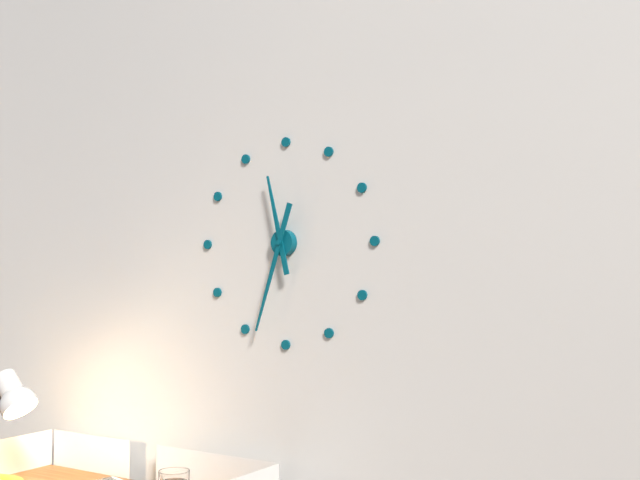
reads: 11,33
